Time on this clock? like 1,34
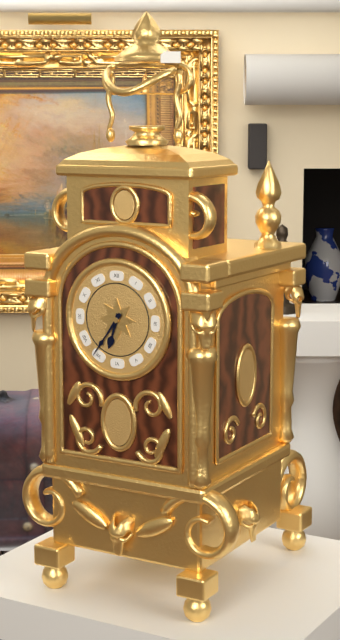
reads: 6,36
